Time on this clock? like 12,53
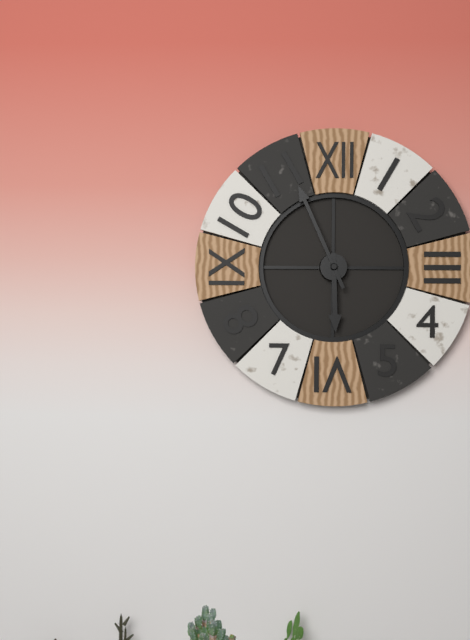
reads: 5,56
